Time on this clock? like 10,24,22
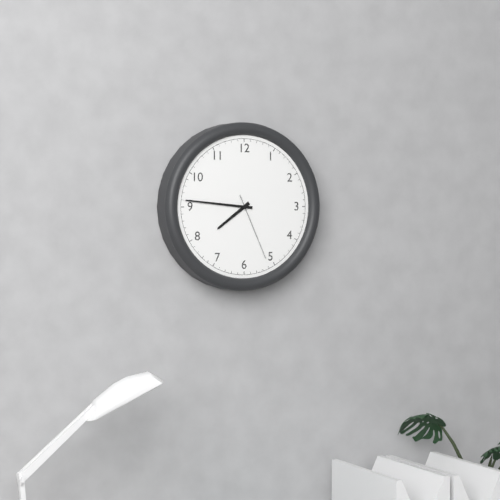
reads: 7,46,26
